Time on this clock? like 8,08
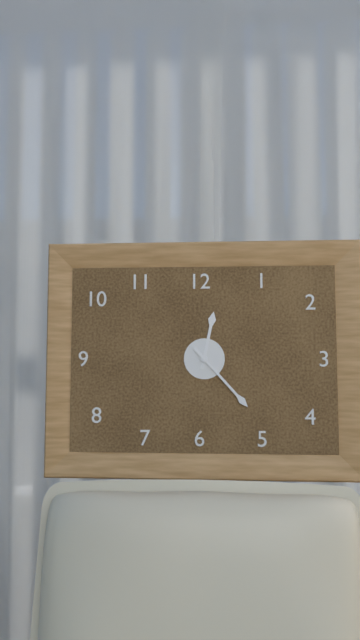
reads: 12,23
